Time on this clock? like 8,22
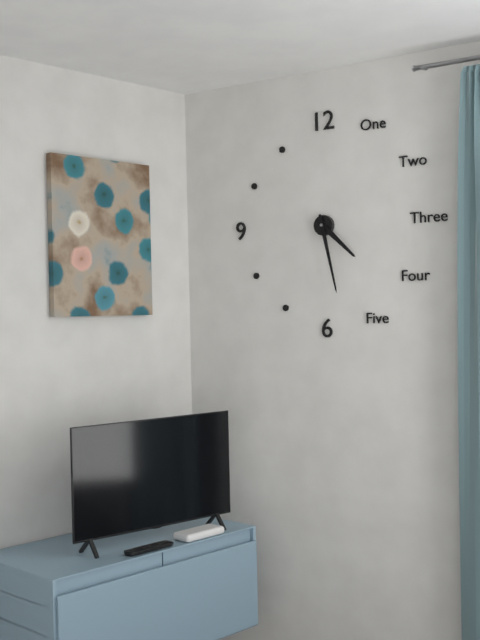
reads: 4,28
